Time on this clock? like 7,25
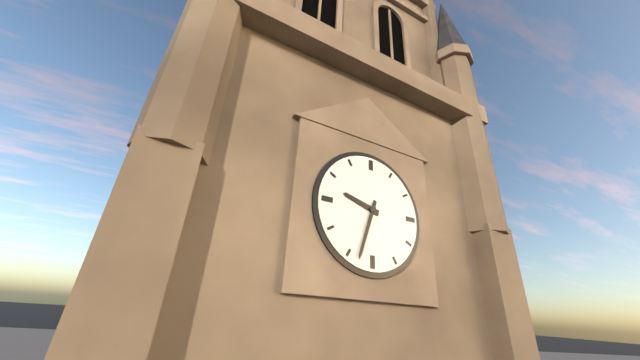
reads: 9,33
